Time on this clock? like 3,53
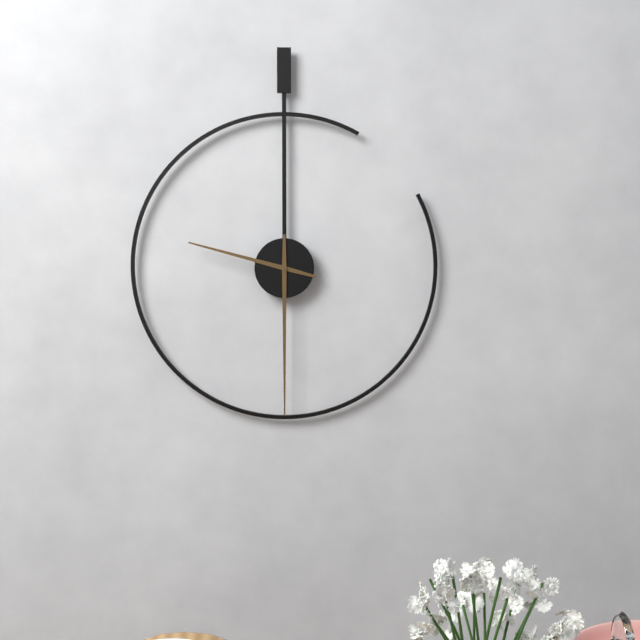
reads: 9,30
